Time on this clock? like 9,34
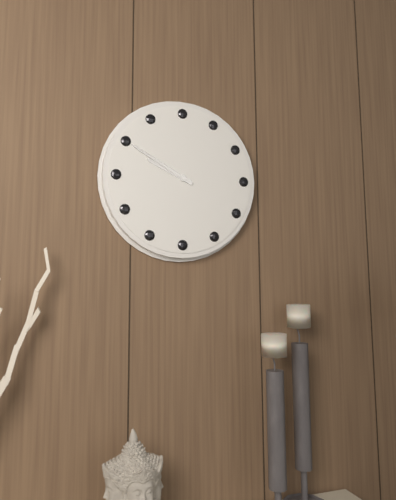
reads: 9,50
